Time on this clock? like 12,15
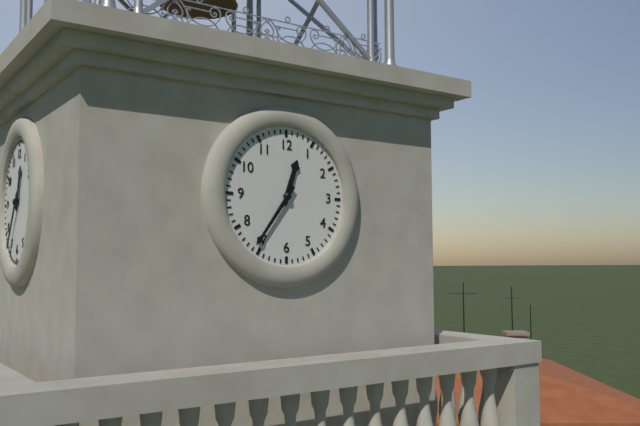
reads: 12,36
